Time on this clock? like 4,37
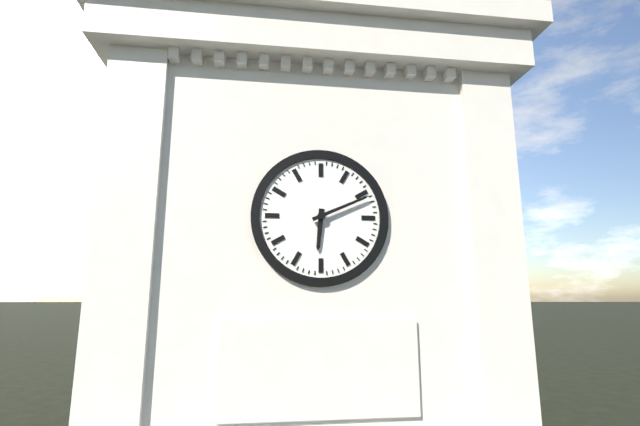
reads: 6,11
